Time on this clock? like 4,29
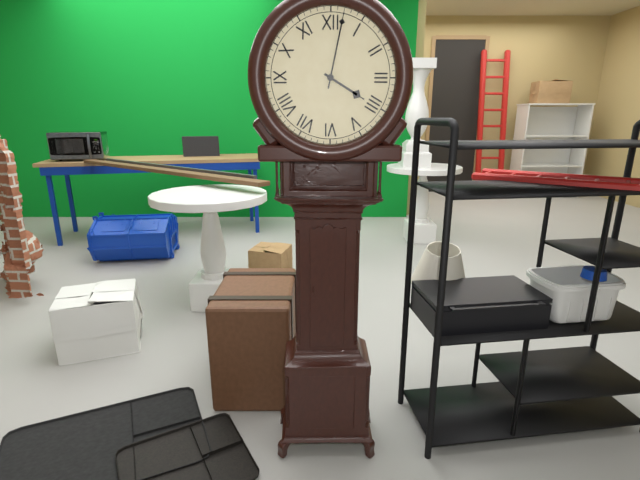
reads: 4,02
